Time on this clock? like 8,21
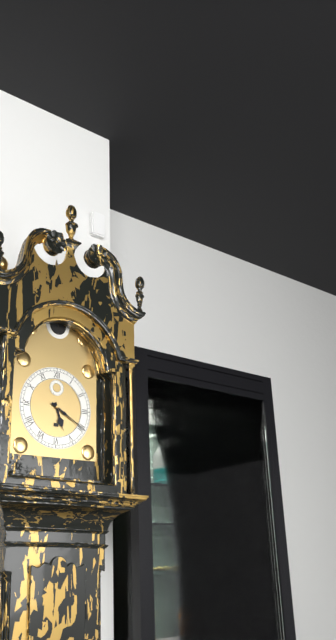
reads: 5,20
